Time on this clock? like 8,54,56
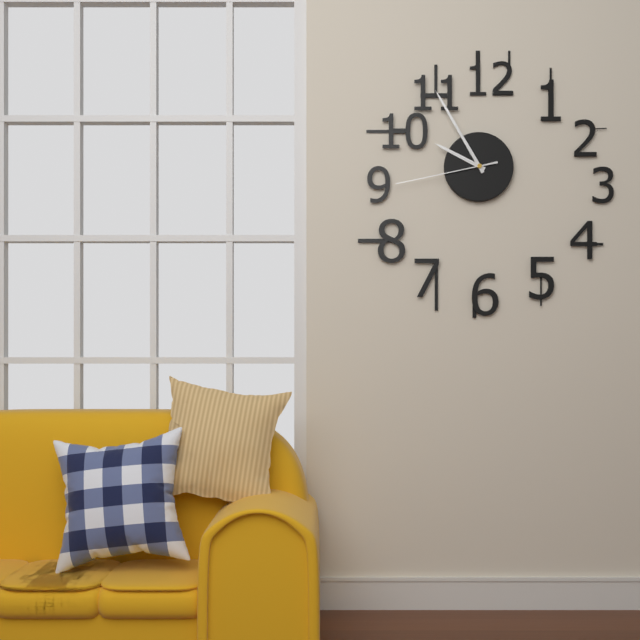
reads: 9,55,43
